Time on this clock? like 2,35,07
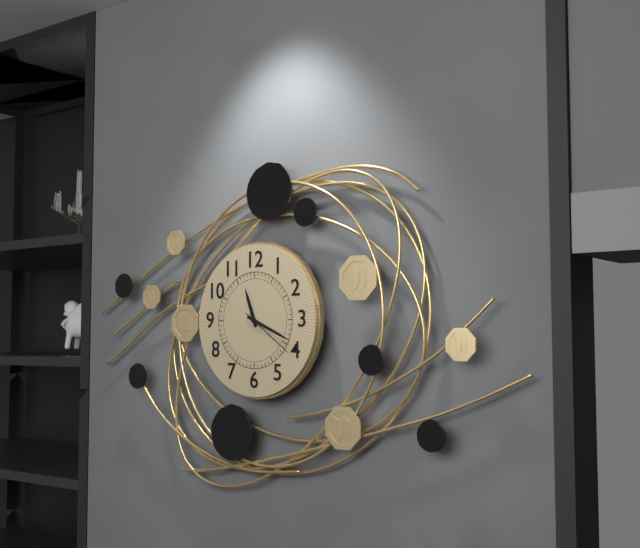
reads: 11,19,21
